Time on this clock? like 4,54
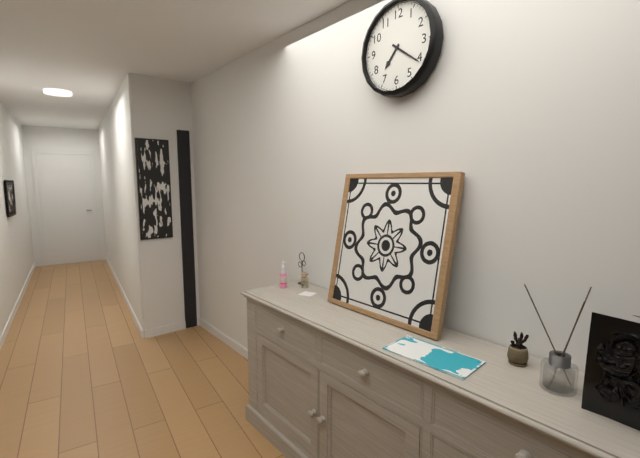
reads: 7,21
